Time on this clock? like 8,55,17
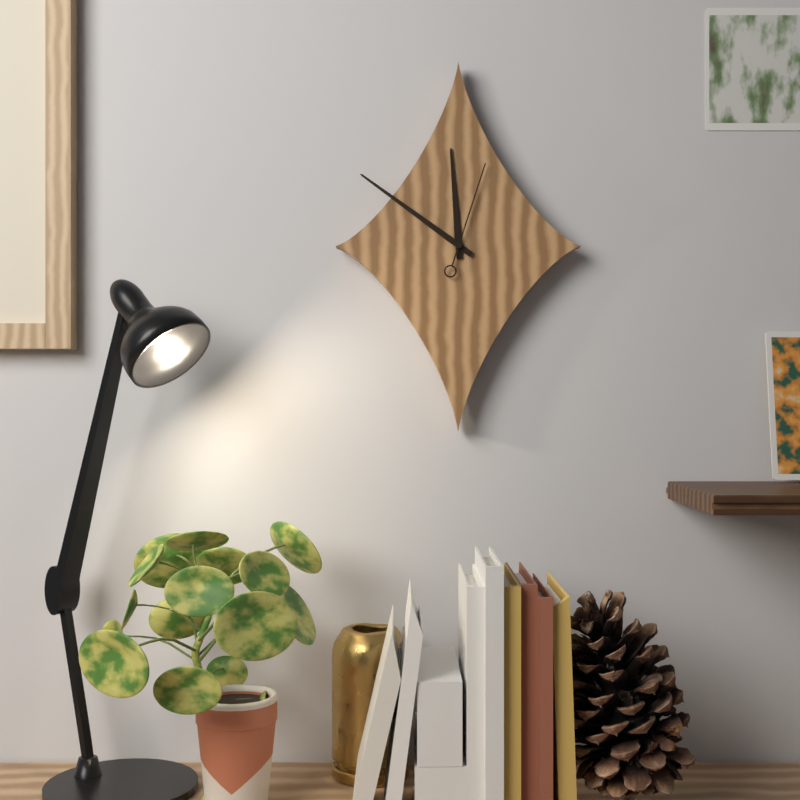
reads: 11,51,03
